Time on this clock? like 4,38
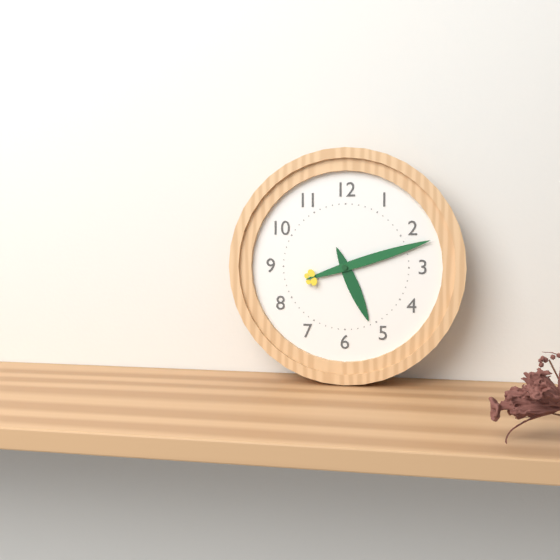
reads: 5,12
